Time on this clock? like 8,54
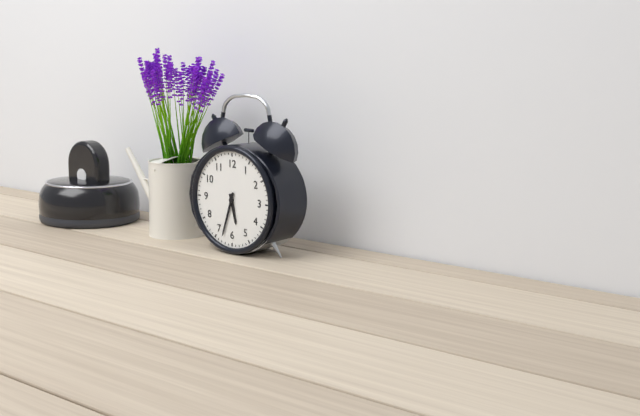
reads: 5,33
